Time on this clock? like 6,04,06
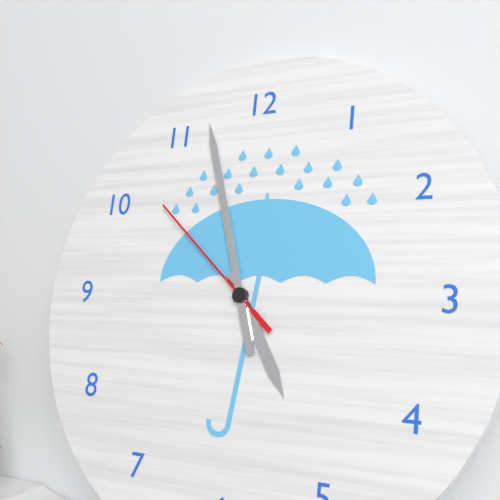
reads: 4,57,52
